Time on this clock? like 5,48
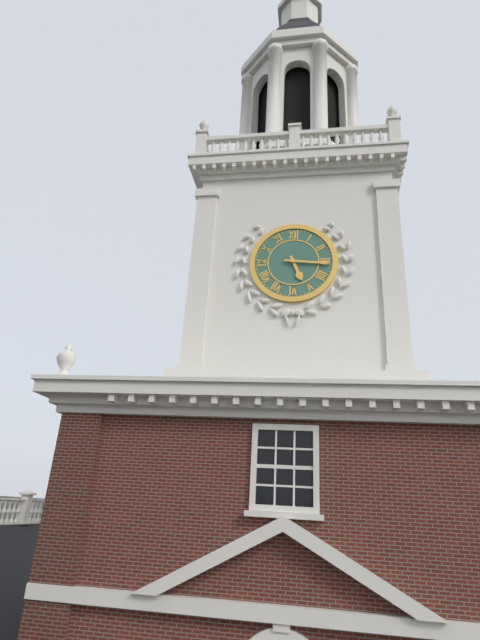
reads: 5,16
